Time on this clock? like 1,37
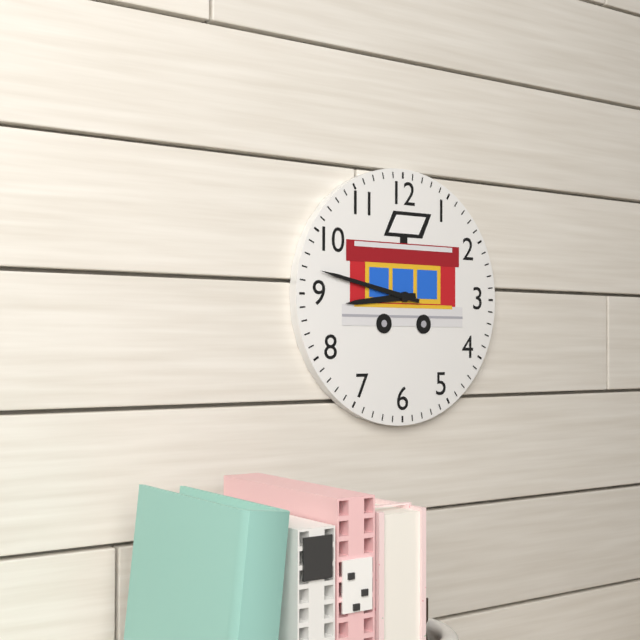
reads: 8,47
